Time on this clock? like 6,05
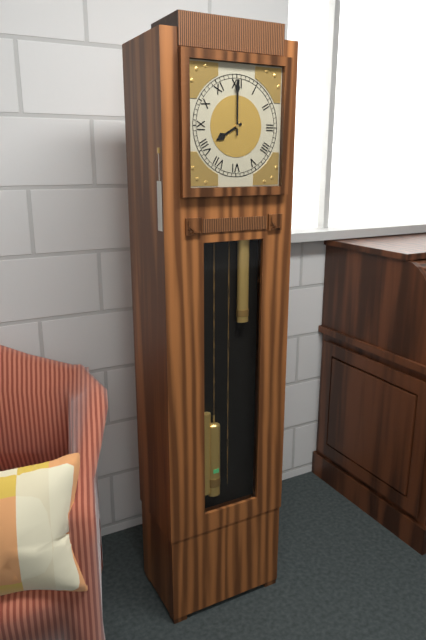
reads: 8,00
